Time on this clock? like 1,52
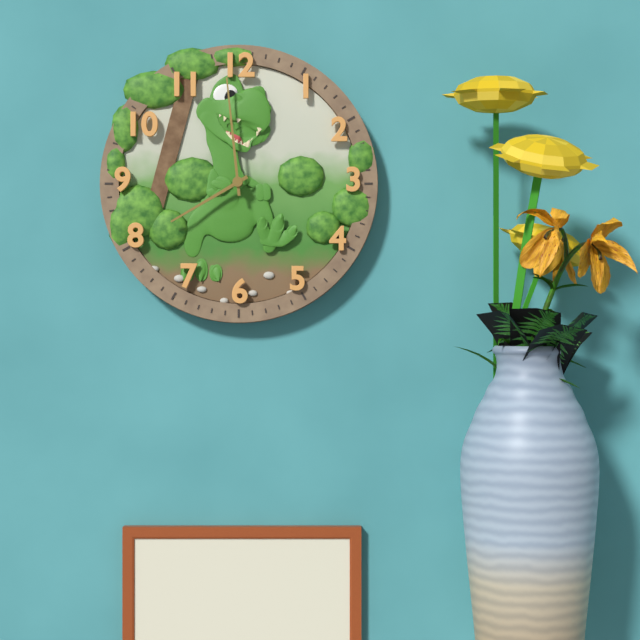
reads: 7,59
